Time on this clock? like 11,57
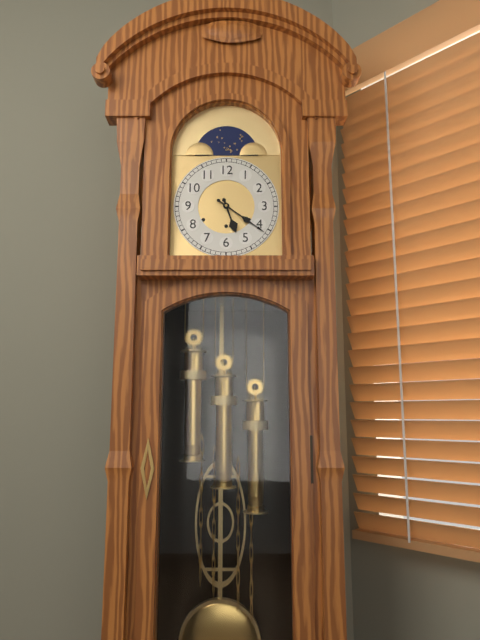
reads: 5,21
